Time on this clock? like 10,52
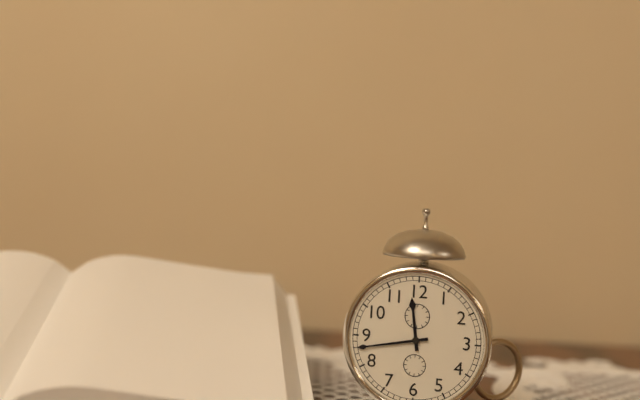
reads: 11,43
